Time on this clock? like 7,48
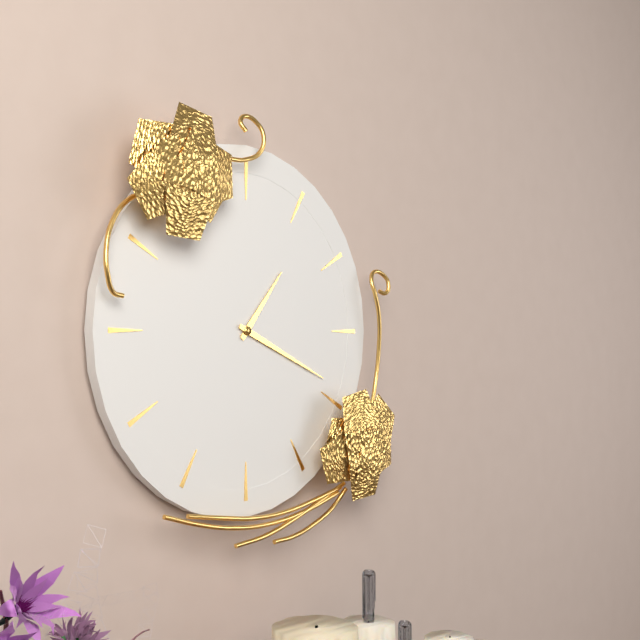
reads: 1,19
